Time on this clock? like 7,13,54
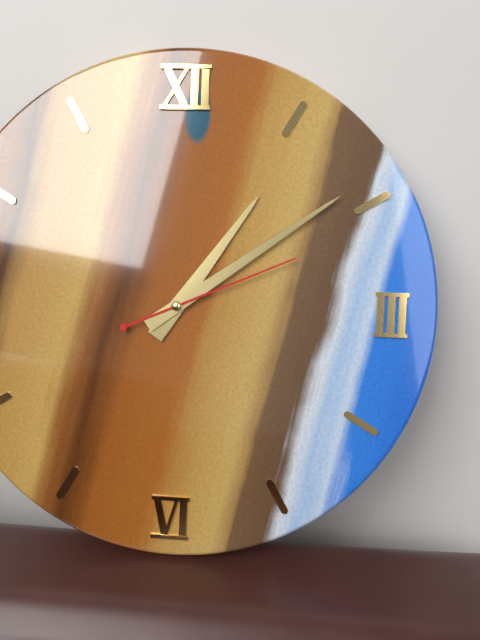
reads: 1,09,11
